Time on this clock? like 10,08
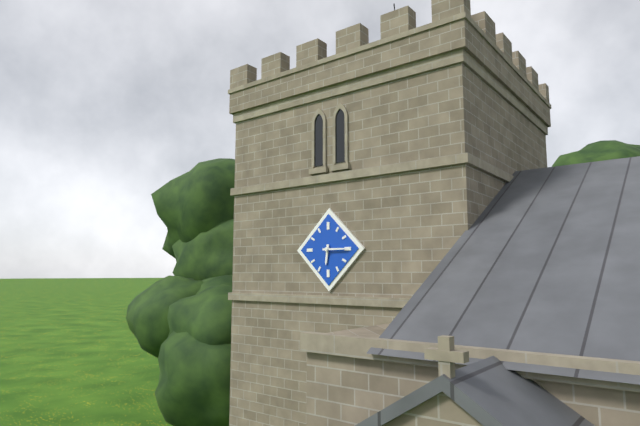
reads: 6,15
